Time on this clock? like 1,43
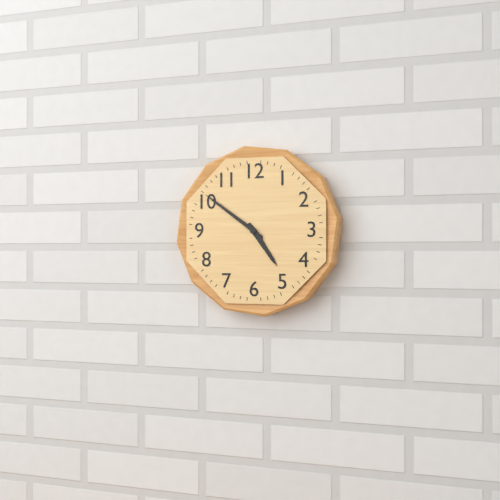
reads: 4,51
